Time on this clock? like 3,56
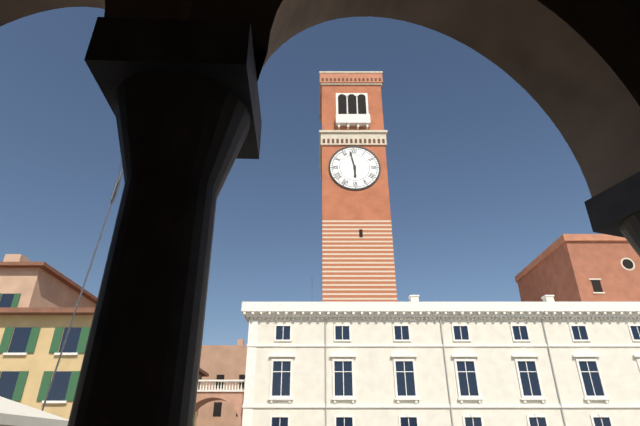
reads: 5,58
